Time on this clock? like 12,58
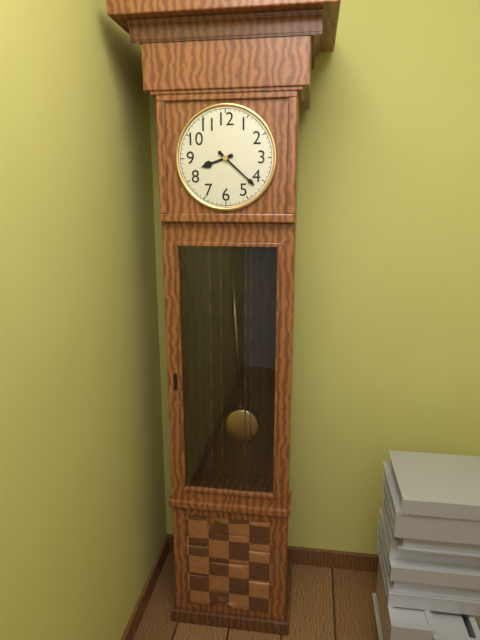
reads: 8,22
